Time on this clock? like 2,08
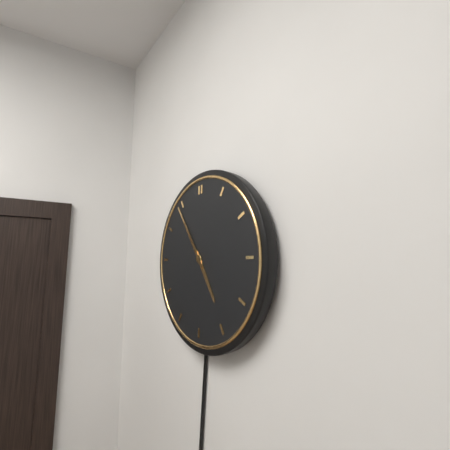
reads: 4,54
